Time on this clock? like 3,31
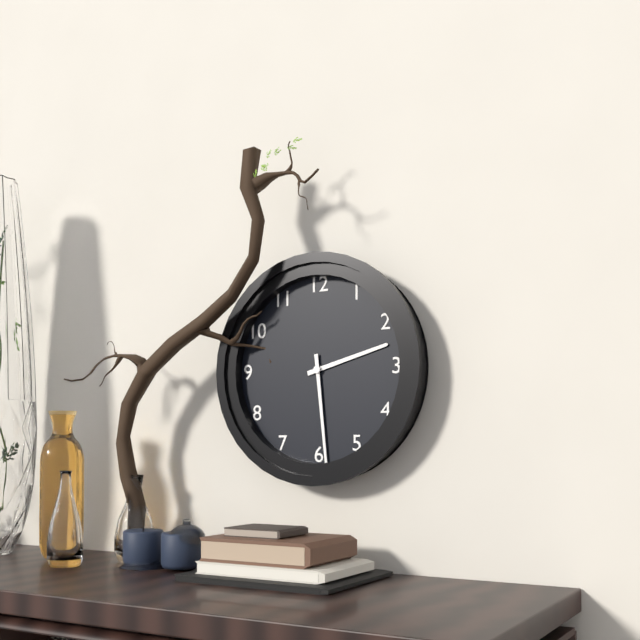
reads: 2,29
